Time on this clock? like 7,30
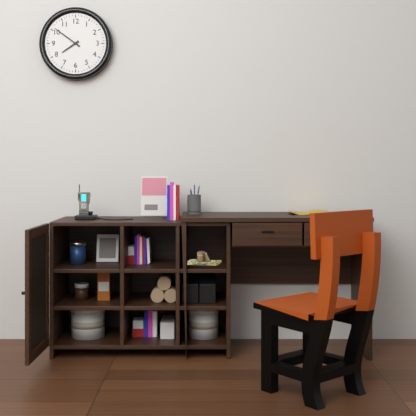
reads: 7,51
